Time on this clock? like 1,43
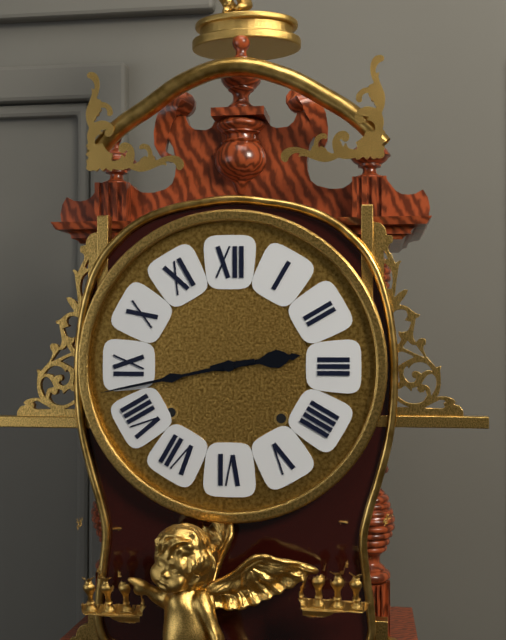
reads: 2,43
